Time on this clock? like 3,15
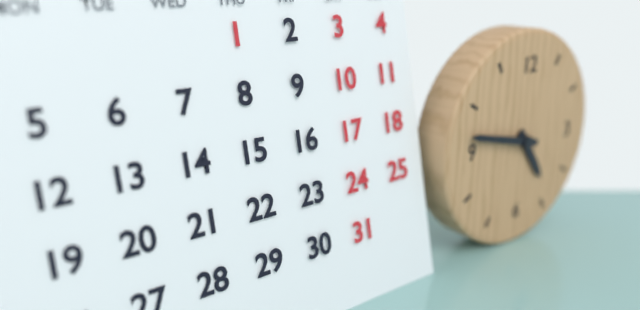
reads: 4,47
